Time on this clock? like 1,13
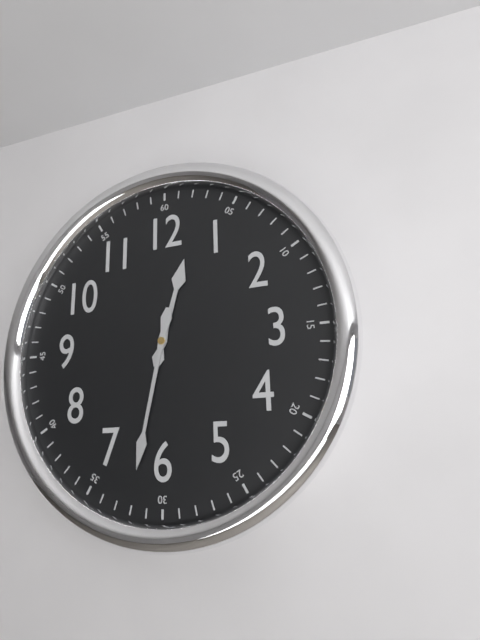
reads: 12,32
